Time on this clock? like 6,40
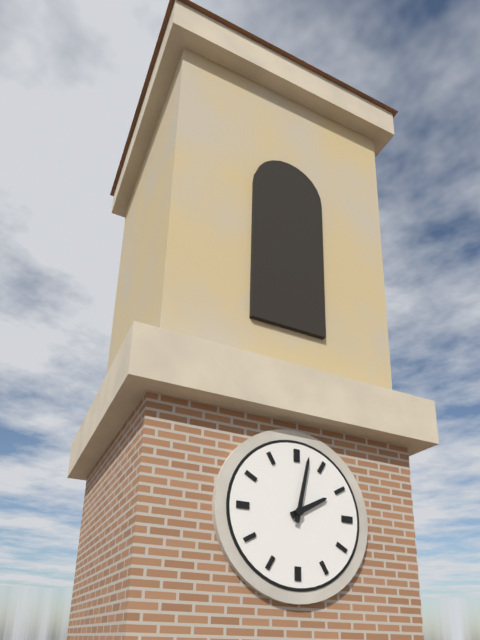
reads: 2,02
